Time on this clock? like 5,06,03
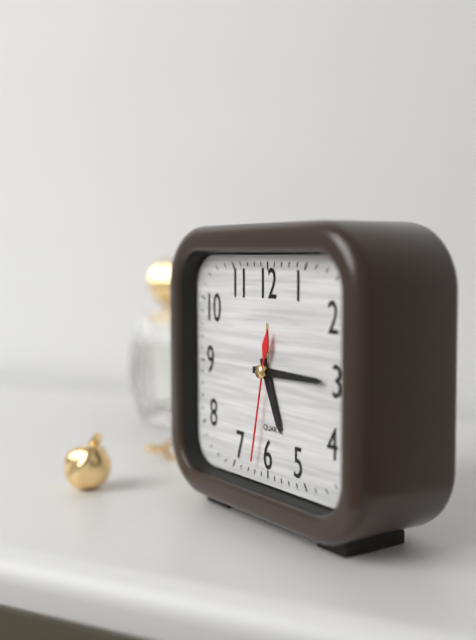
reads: 5,15,32
